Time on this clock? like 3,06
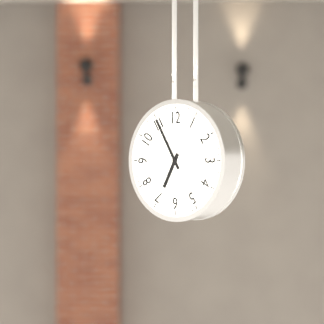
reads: 6,55
